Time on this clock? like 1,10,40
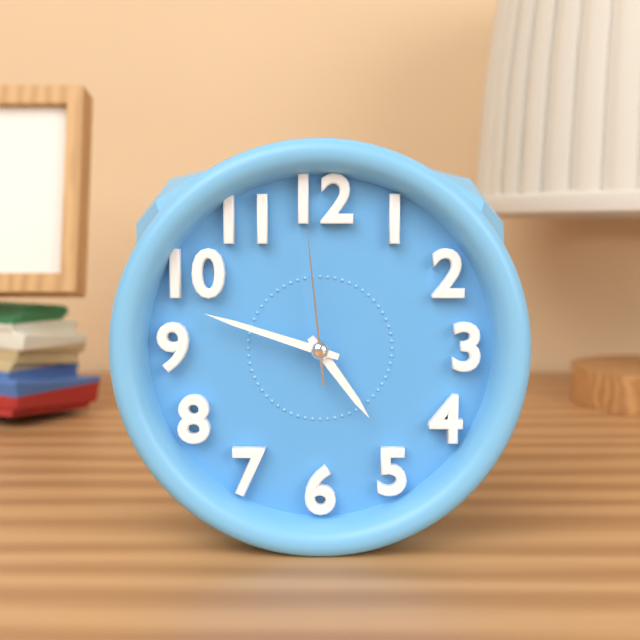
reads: 4,48,59
